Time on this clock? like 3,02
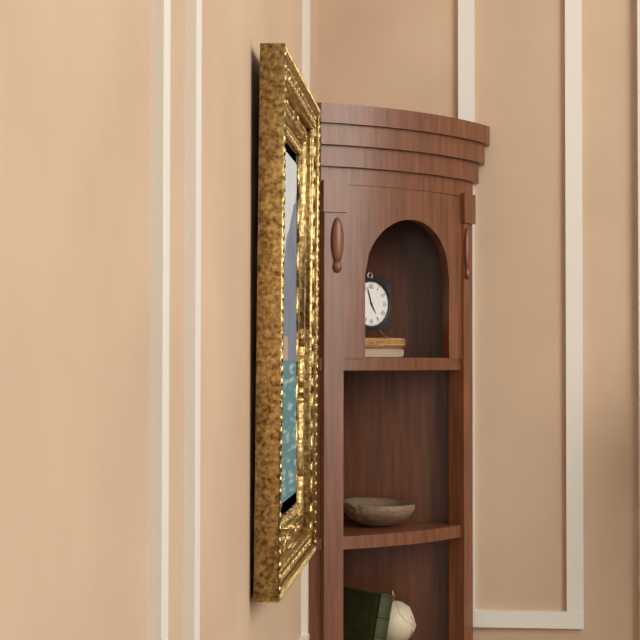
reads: 4,57
